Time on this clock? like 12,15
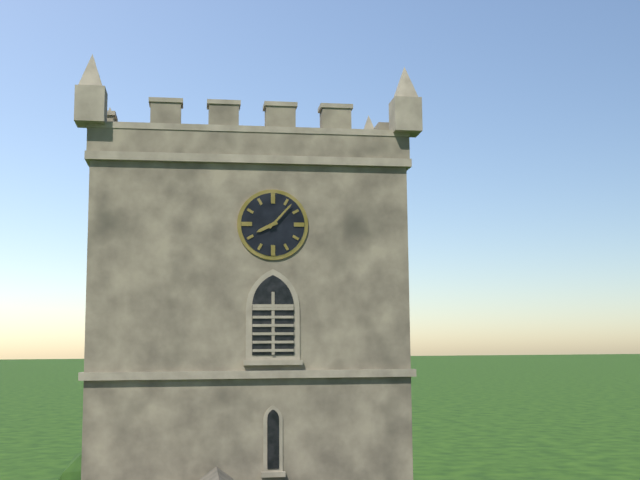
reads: 8,07
